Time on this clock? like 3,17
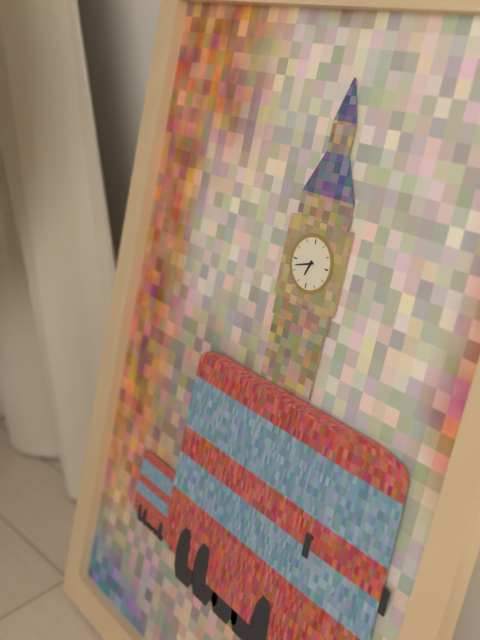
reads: 6,42
